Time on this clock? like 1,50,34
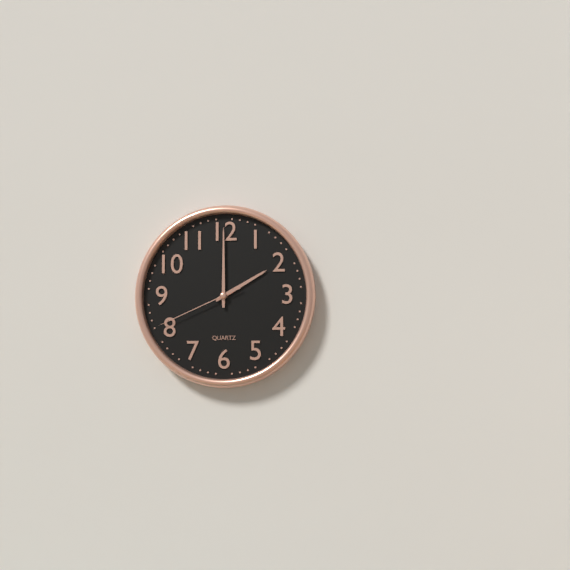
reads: 2,00,41
